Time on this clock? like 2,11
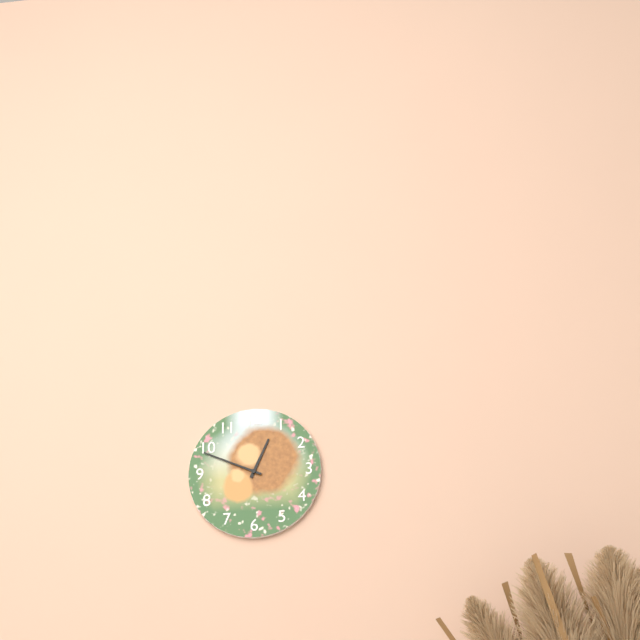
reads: 12,49
